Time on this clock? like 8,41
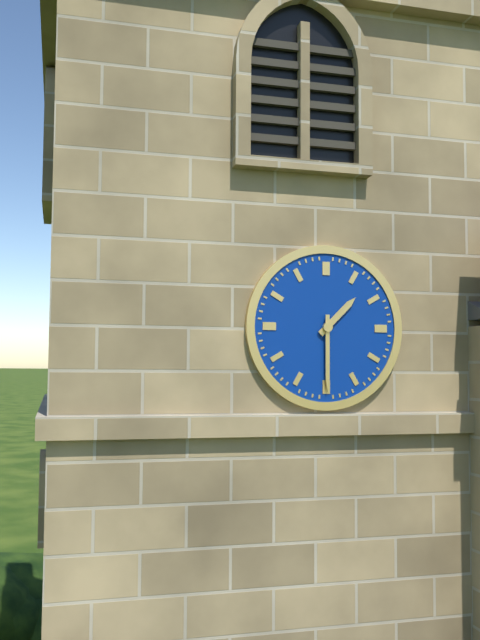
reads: 1,30
